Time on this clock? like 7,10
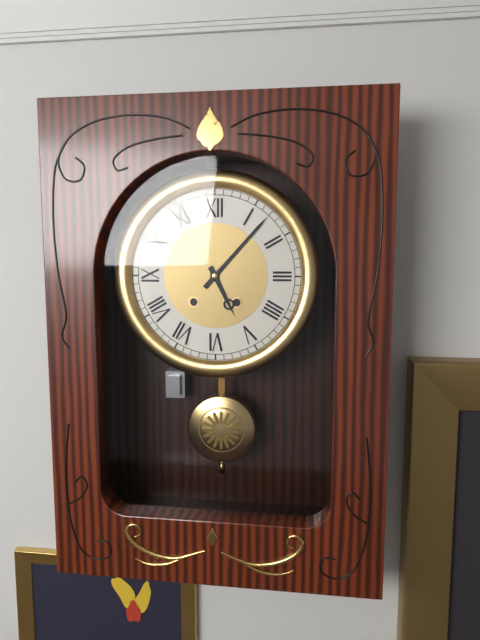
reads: 5,07
